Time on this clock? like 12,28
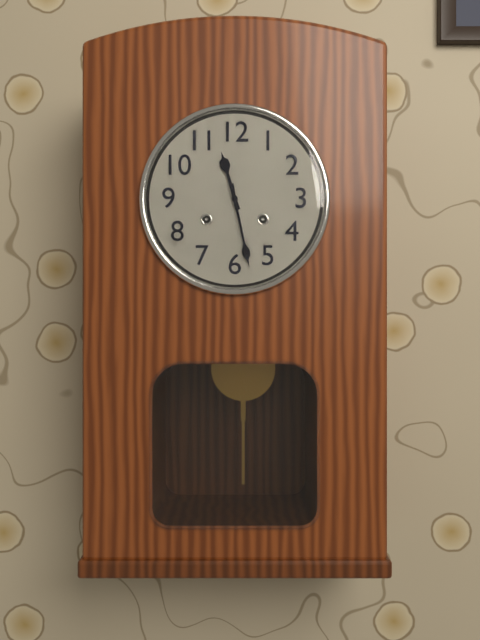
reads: 11,28
